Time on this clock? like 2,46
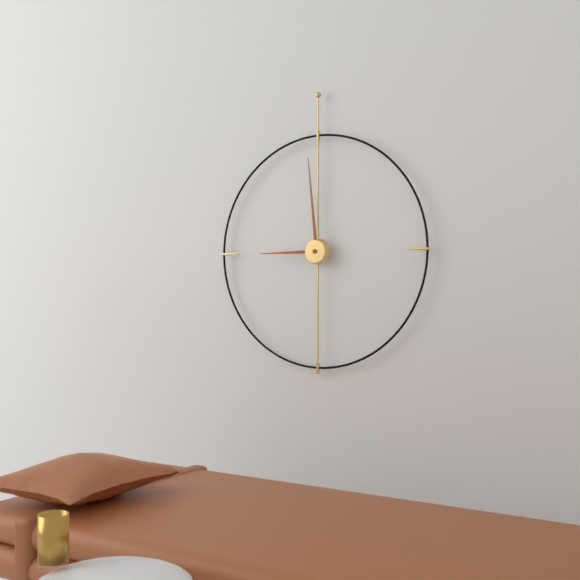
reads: 8,59
